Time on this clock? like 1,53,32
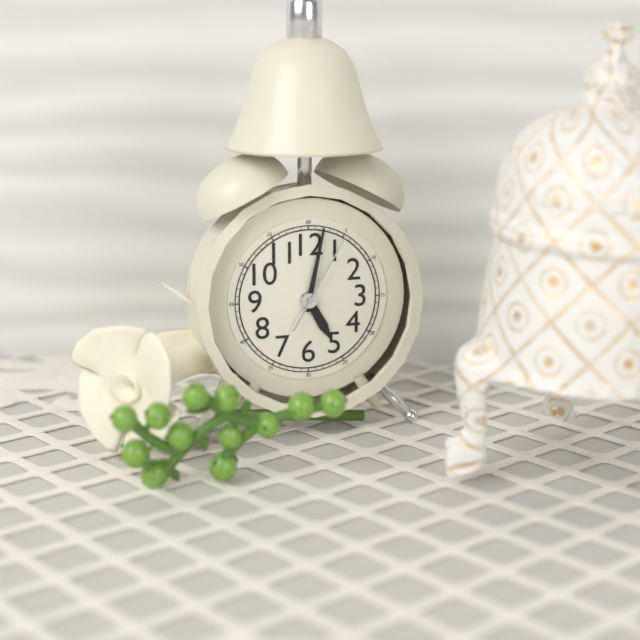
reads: 5,02,05
